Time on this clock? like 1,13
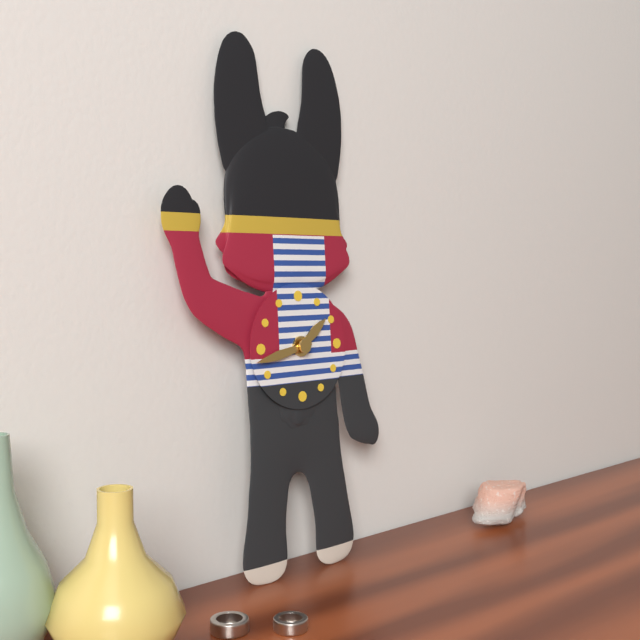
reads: 1,43
